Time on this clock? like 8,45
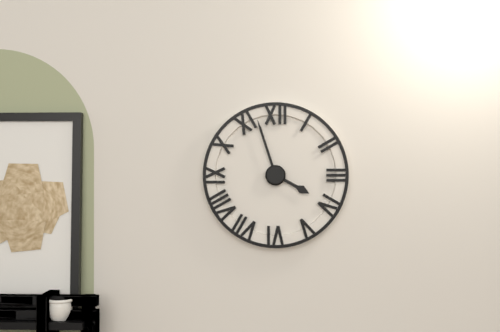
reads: 3,57
